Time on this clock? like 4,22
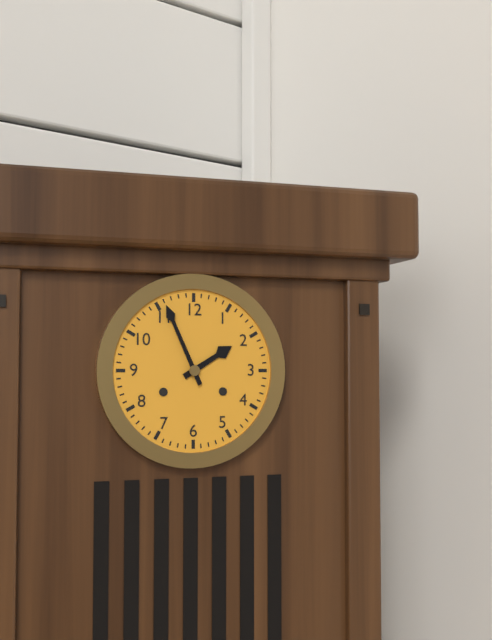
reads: 1,56
